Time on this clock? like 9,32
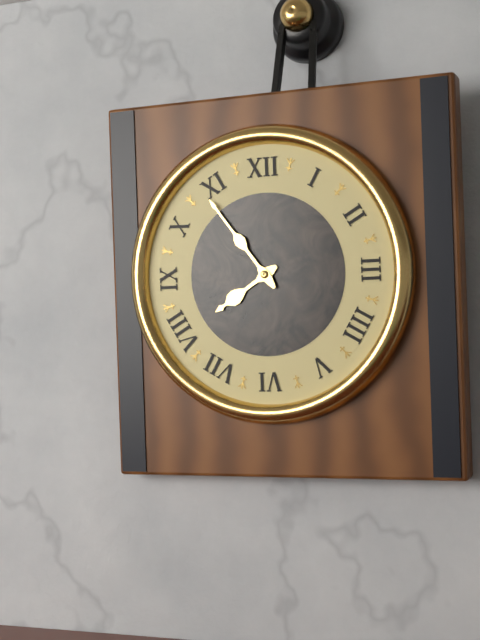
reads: 7,54
